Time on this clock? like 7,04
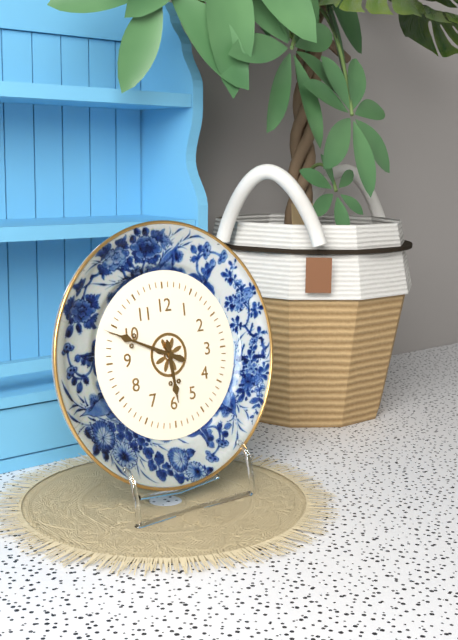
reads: 5,49
